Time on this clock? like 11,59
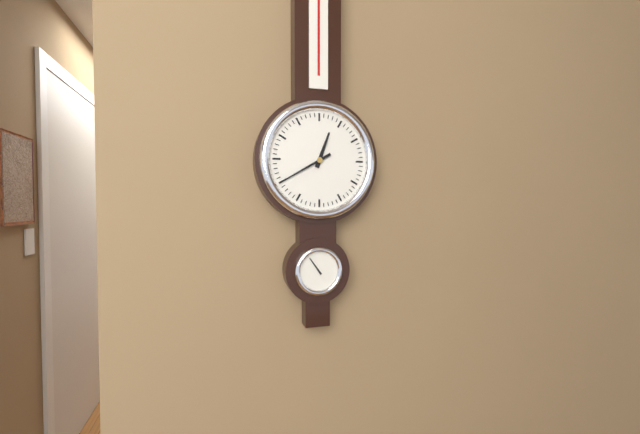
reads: 12,40
